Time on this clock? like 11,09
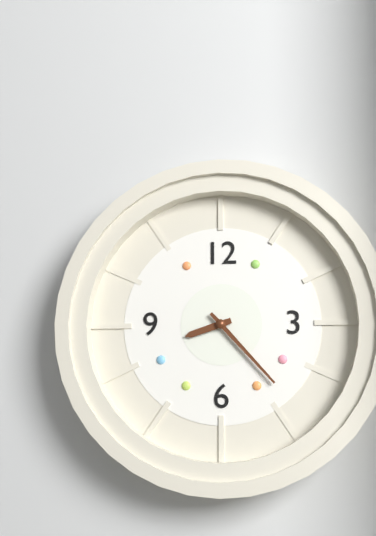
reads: 8,23
